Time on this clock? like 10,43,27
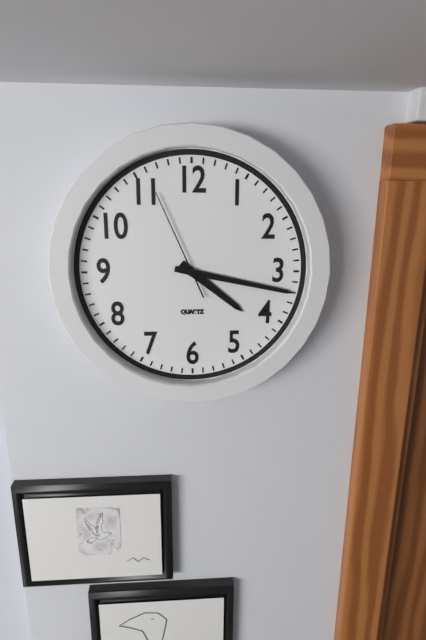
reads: 4,17,56
